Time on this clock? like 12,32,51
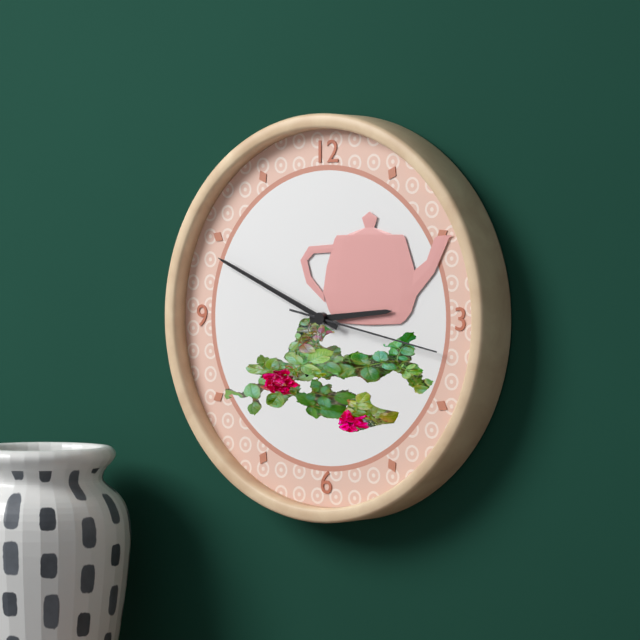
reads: 2,49,17
